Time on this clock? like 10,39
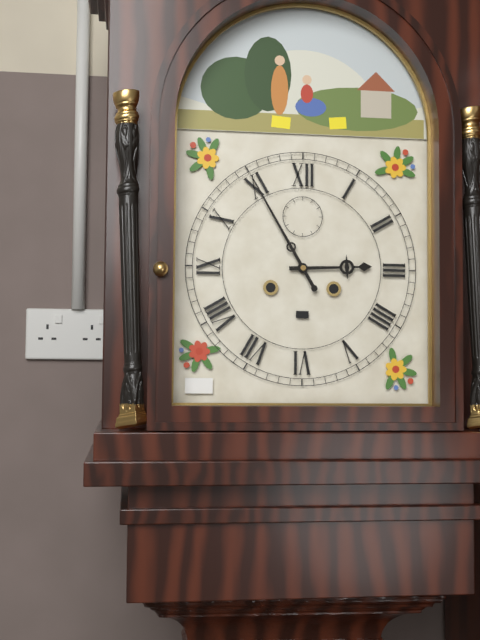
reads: 2,55
